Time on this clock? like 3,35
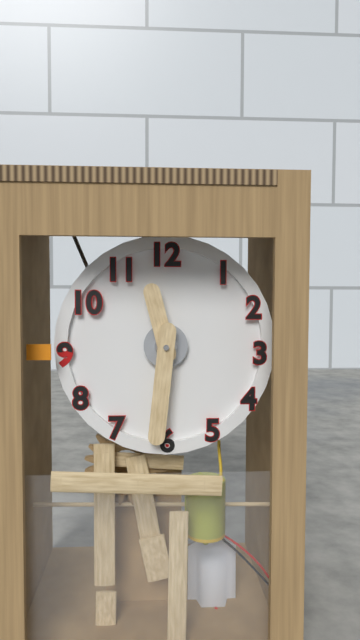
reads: 11,31
